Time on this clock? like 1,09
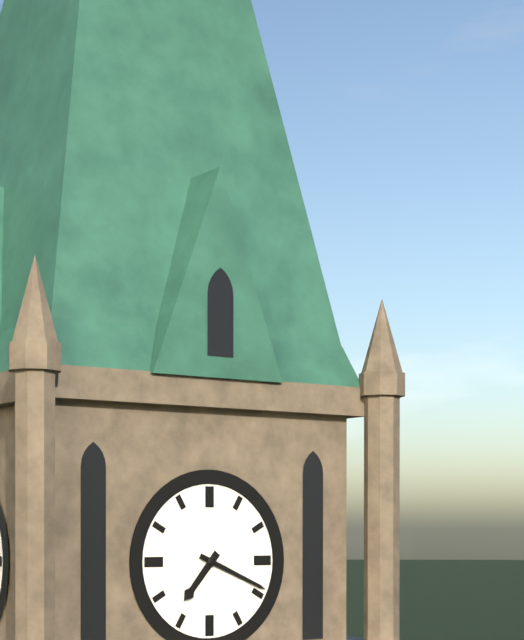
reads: 7,19
